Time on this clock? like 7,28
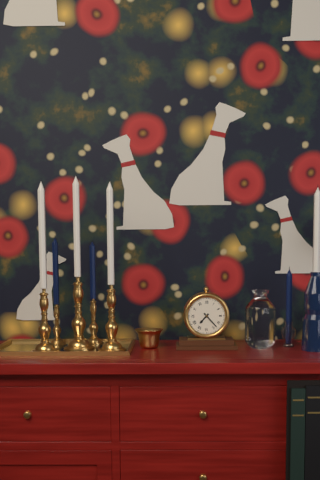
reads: 7,23
